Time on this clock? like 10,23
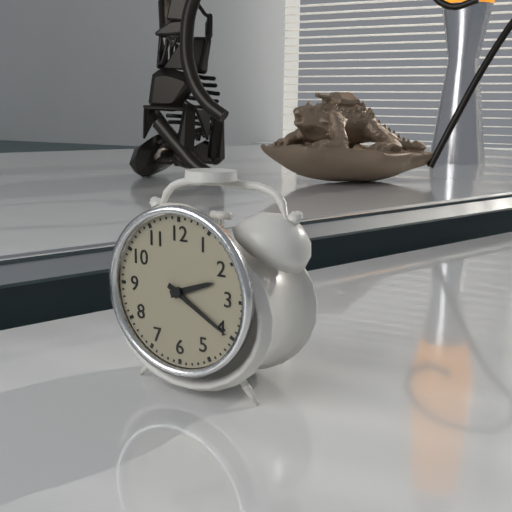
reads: 2,20
